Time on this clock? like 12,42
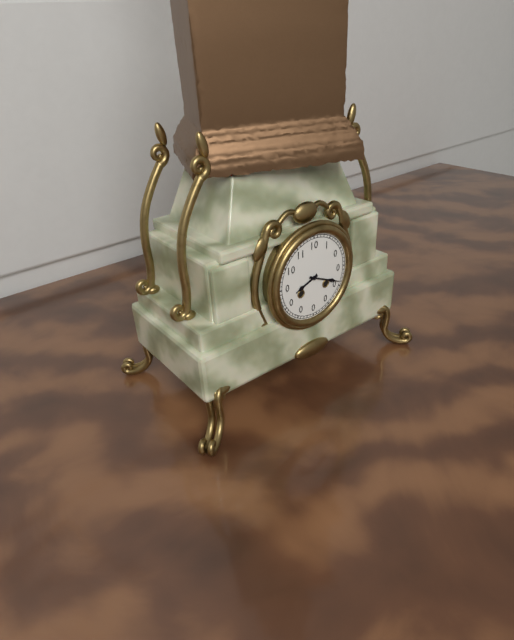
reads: 8,19
